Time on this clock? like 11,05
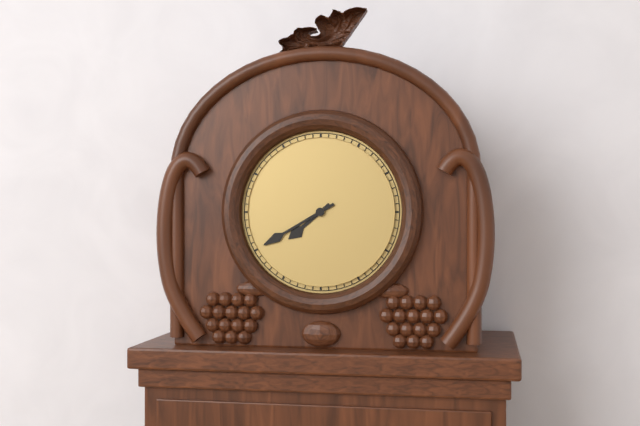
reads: 7,40
